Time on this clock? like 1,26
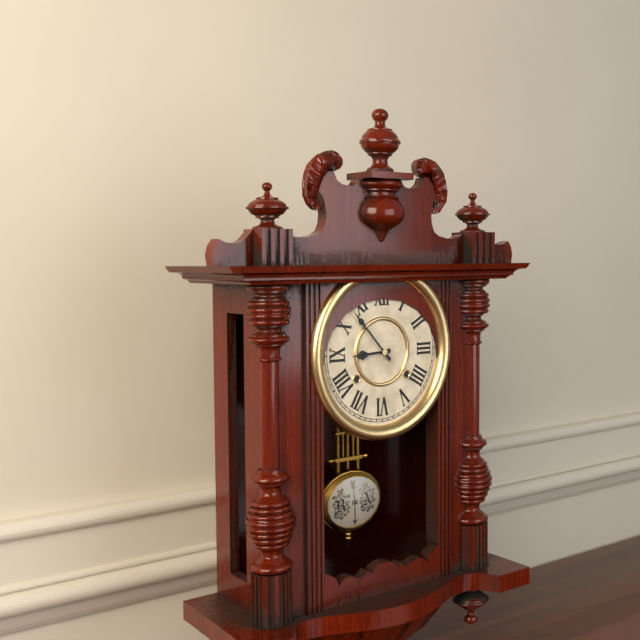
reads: 8,53
